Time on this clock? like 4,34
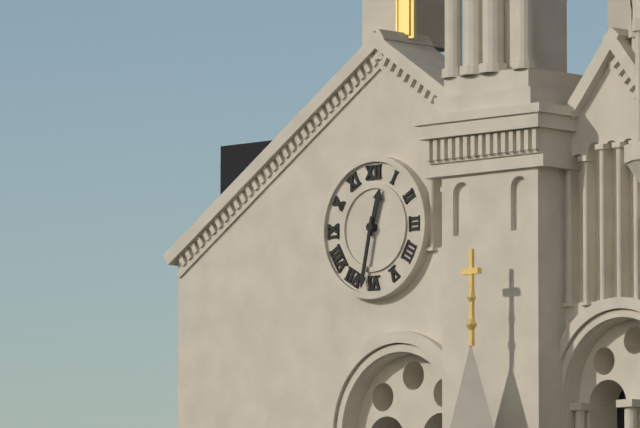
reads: 12,32
